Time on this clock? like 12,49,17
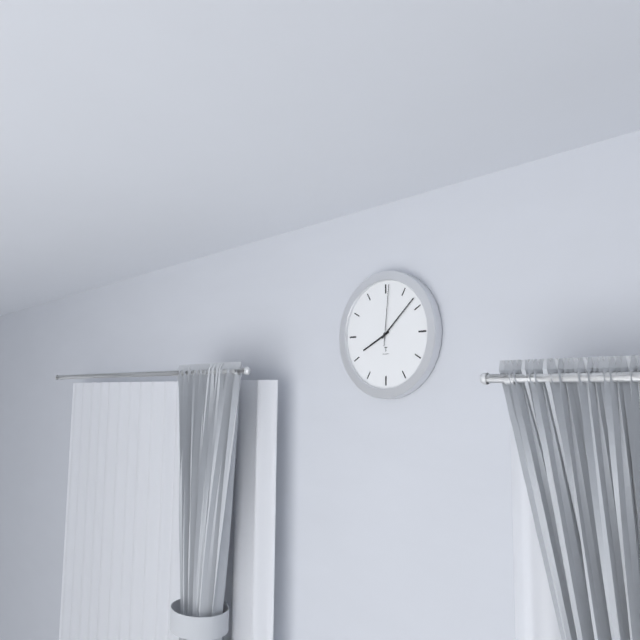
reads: 8,08,01
